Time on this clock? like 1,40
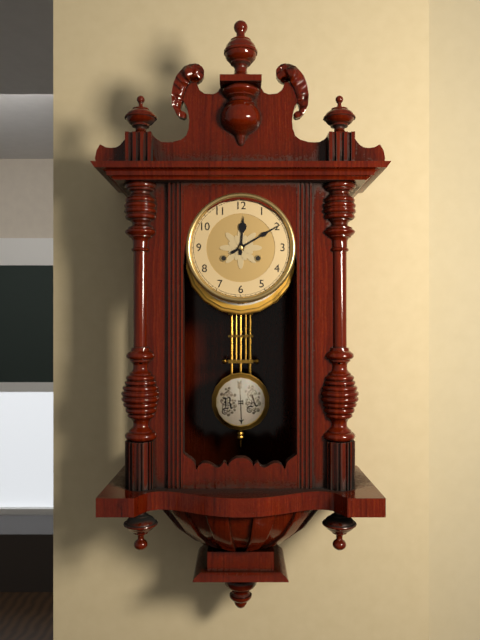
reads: 12,10
